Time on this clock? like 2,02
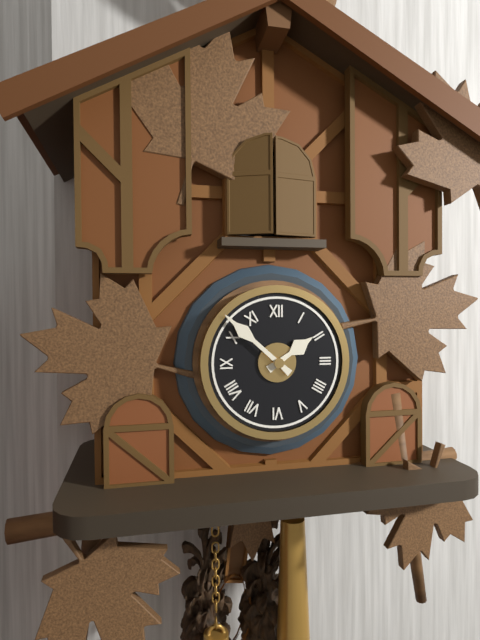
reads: 1,52
